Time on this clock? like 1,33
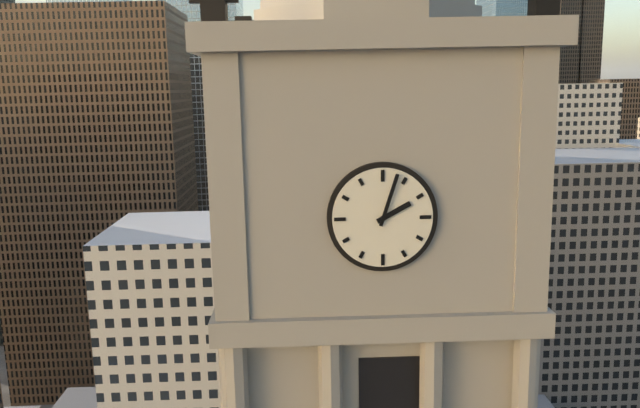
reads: 2,03
